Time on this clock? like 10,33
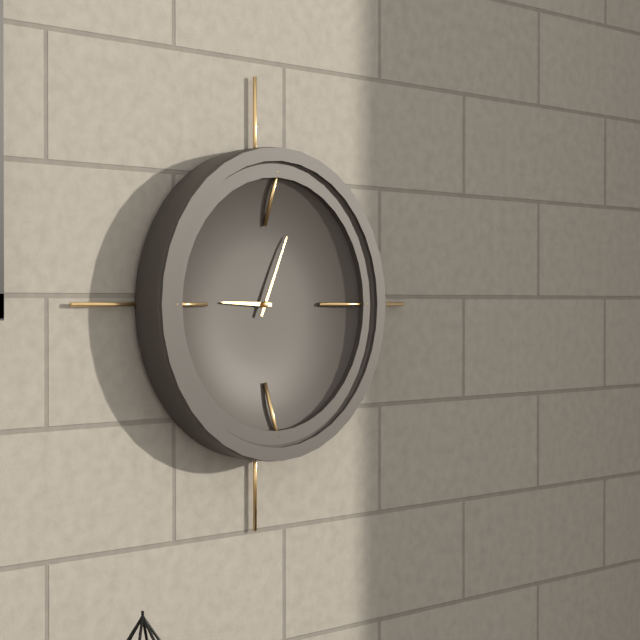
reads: 9,04
